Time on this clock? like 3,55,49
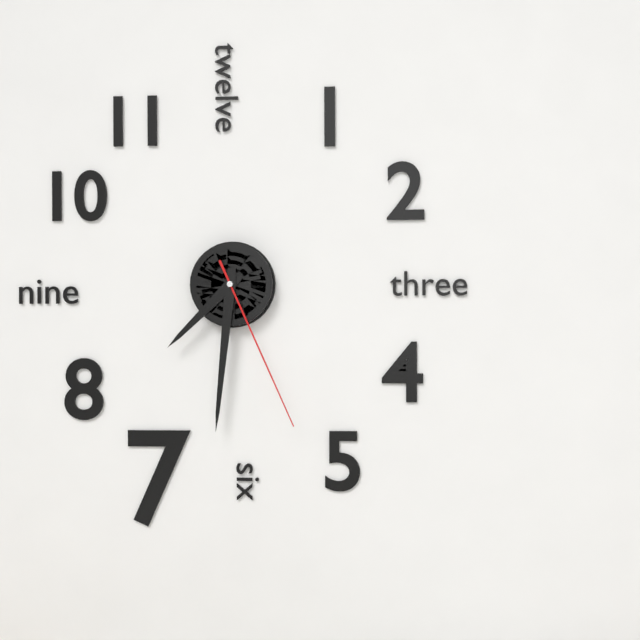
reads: 7,31,26
